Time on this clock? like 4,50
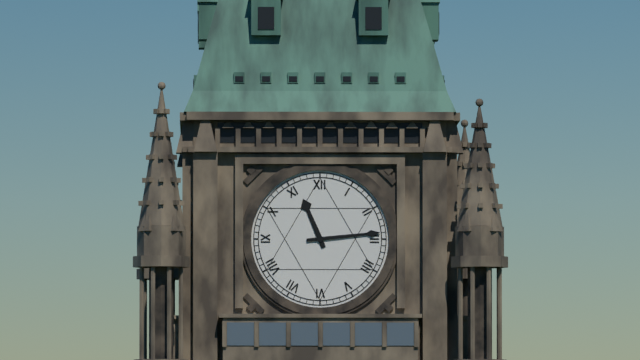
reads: 11,14
